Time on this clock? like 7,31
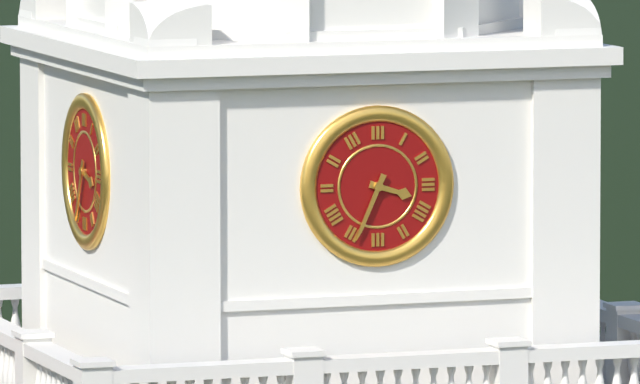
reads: 3,34
